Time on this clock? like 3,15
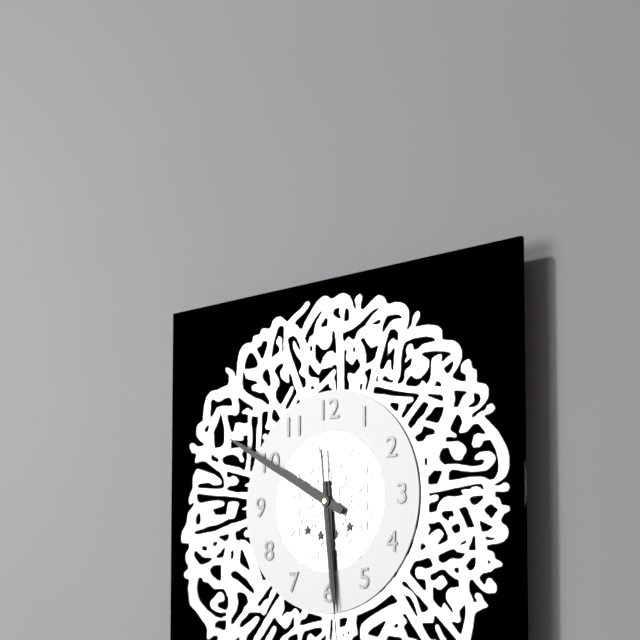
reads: 5,50
